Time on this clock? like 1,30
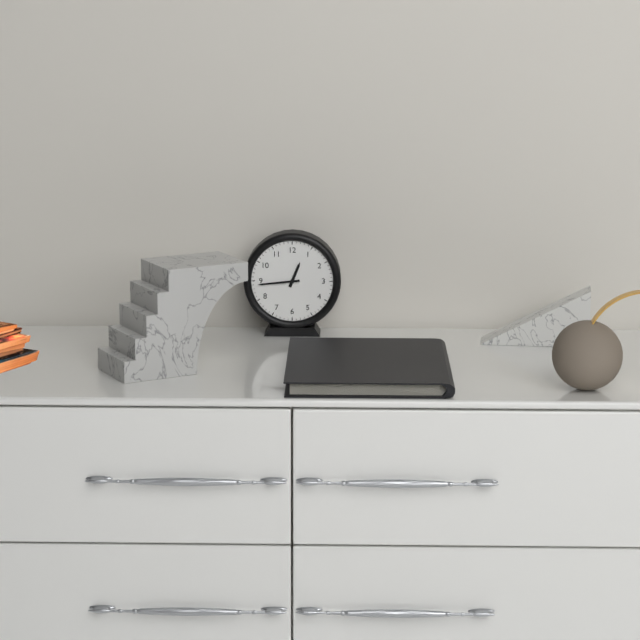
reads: 12,44
